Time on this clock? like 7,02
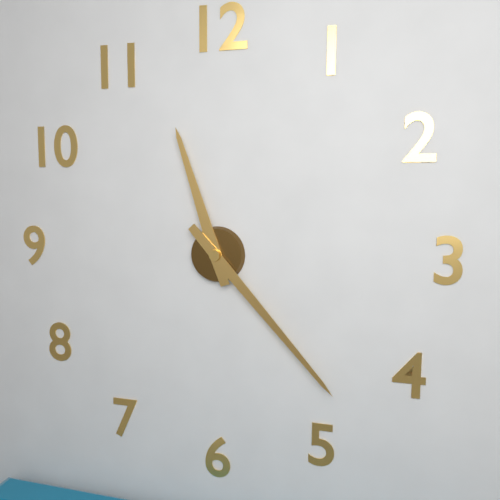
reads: 11,23
